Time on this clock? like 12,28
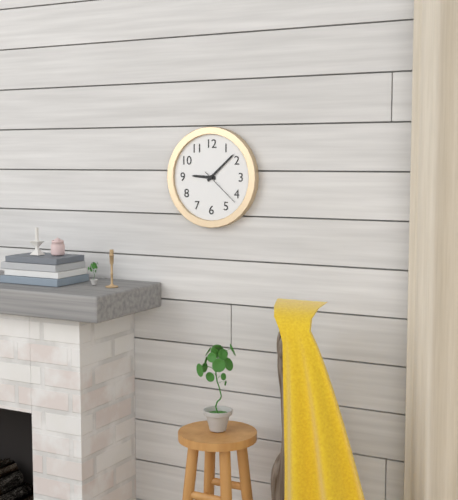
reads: 9,08
